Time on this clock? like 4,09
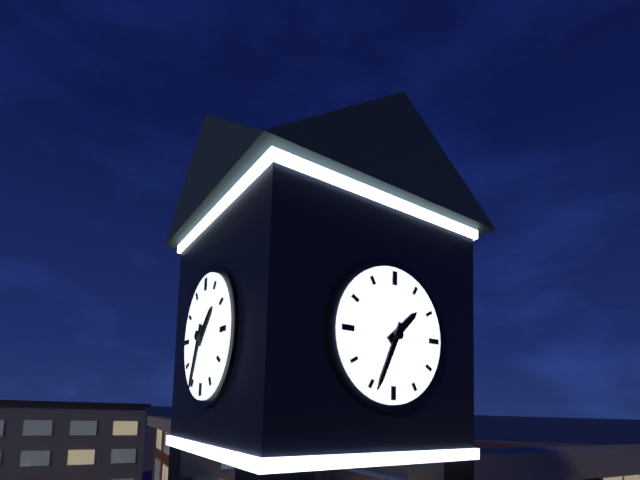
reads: 1,34
